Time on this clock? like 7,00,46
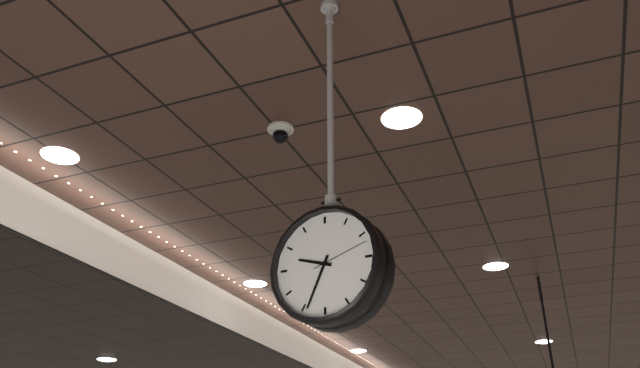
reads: 9,34,12
